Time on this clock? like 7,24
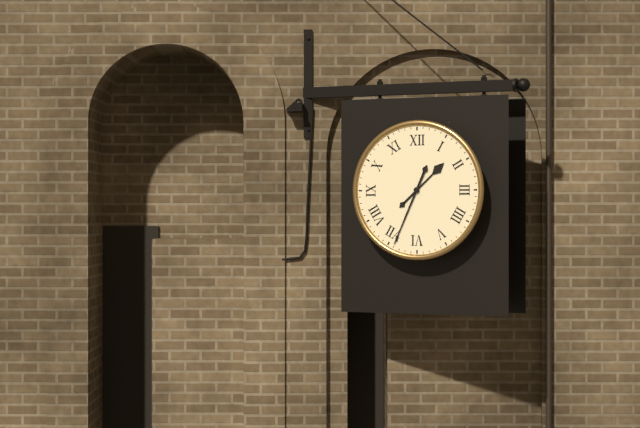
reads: 1,34
